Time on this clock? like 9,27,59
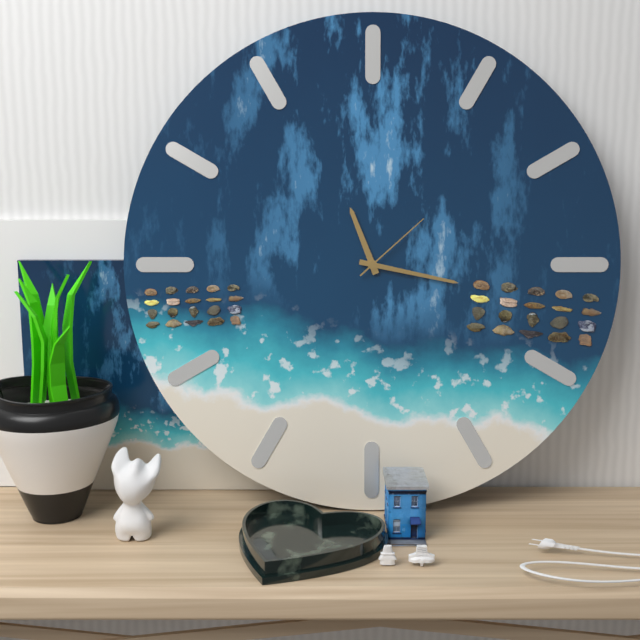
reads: 11,17,08
